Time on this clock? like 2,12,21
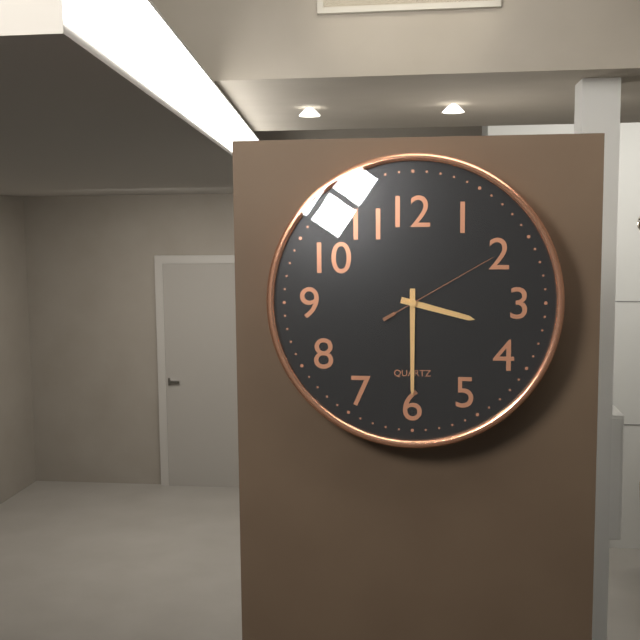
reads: 3,30,10
